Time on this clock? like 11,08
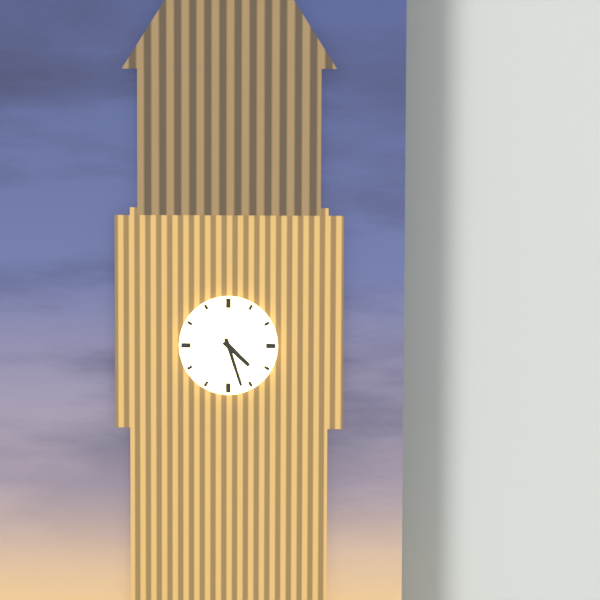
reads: 4,27
